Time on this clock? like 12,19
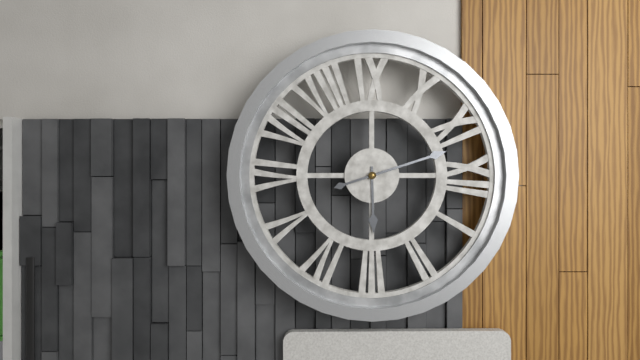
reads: 2,57
